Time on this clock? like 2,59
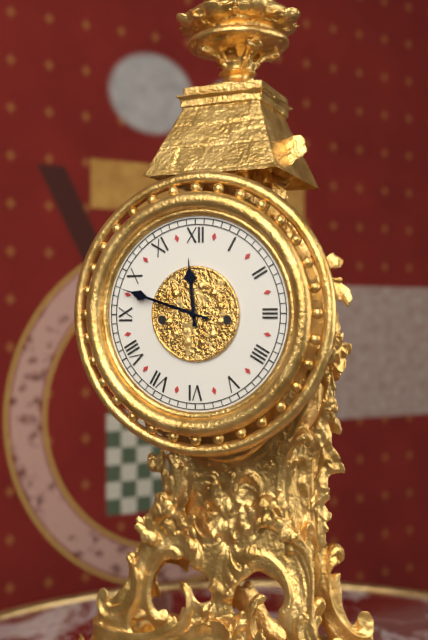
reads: 11,48
